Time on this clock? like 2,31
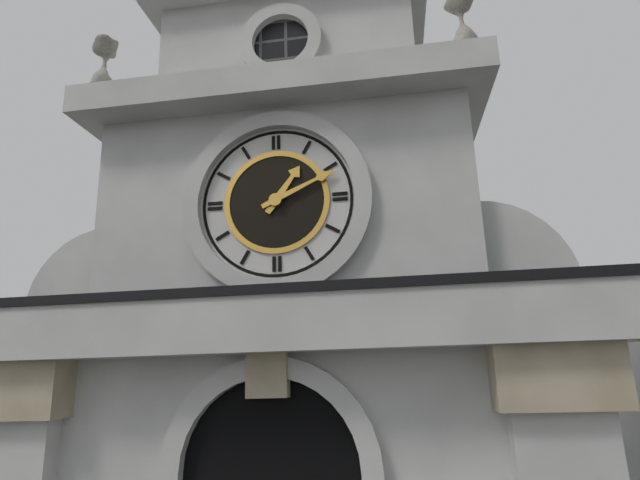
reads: 1,11
